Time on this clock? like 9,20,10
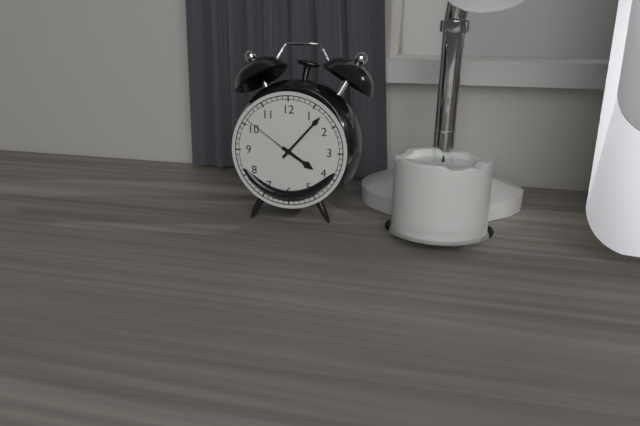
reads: 4,07,51
